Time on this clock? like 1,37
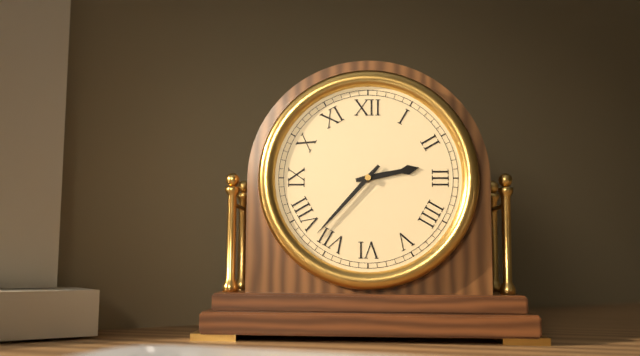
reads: 2,37
